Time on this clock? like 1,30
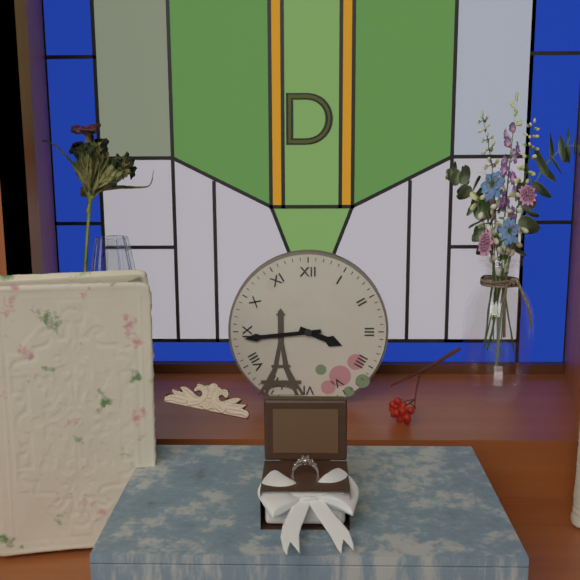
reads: 3,44
